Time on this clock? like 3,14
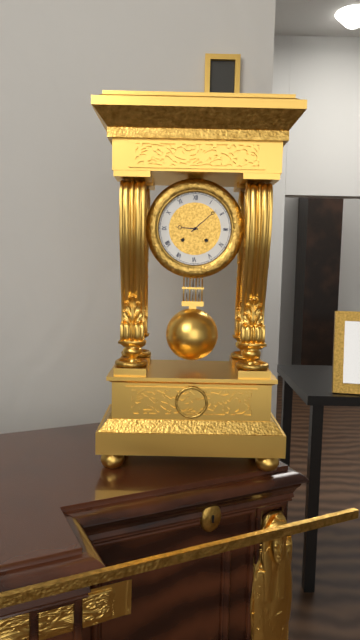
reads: 9,08
